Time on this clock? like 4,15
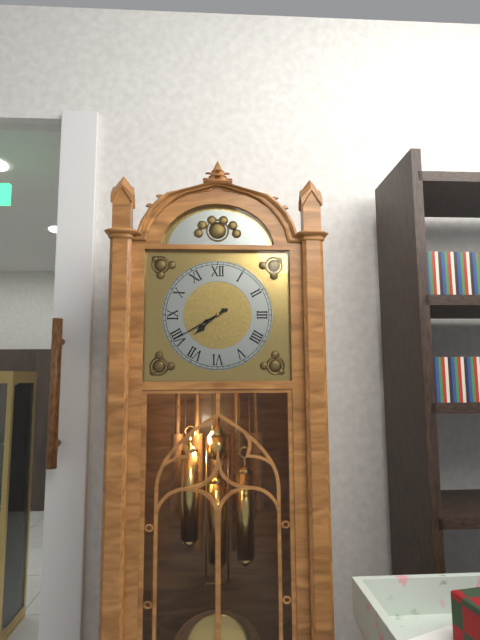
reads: 7,40
